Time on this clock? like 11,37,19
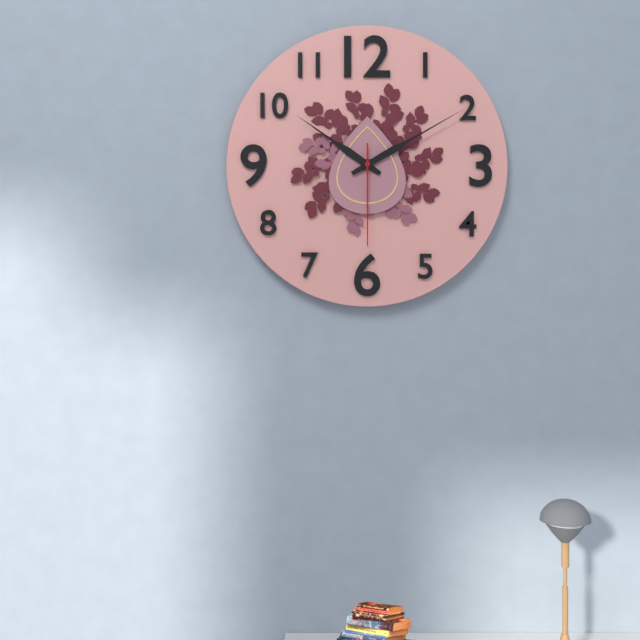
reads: 10,10,30
